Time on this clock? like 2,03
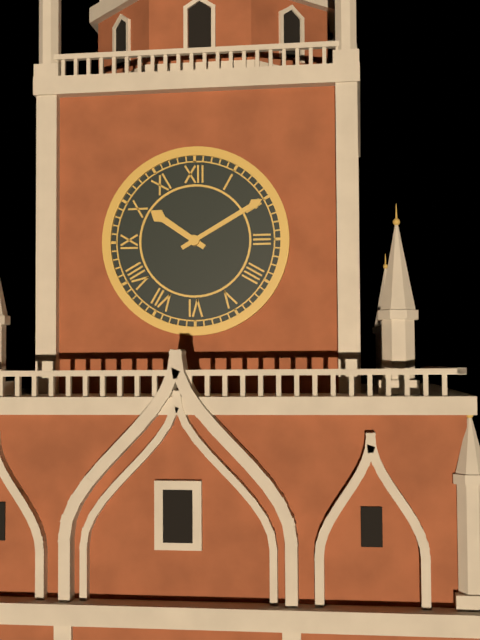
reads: 10,10
